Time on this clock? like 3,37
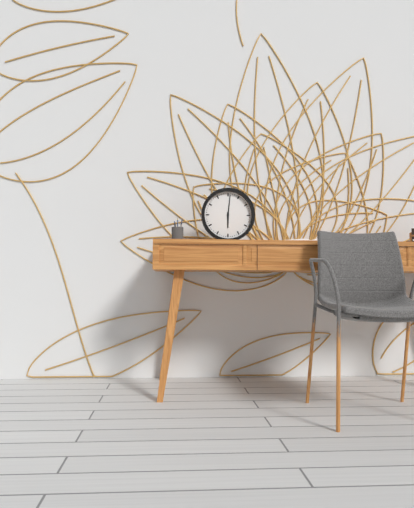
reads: 6,01
